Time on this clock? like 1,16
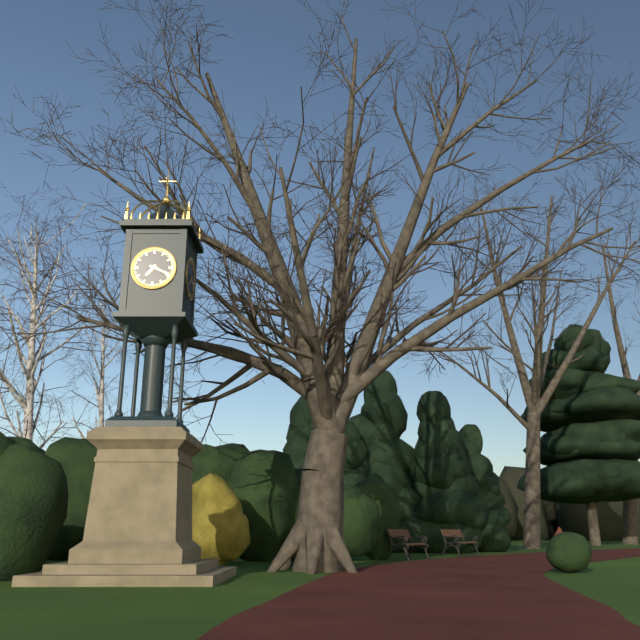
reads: 7,19
